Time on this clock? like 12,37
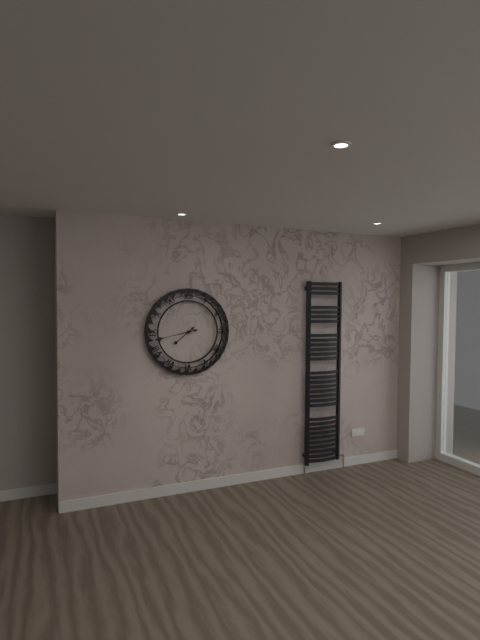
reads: 7,43
